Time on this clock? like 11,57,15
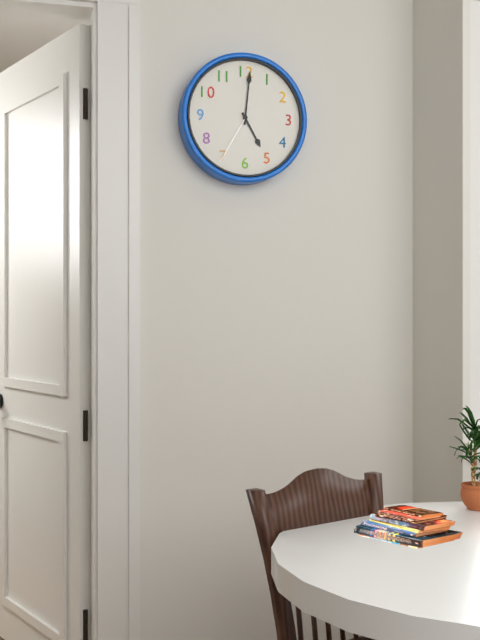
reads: 5,01,35
